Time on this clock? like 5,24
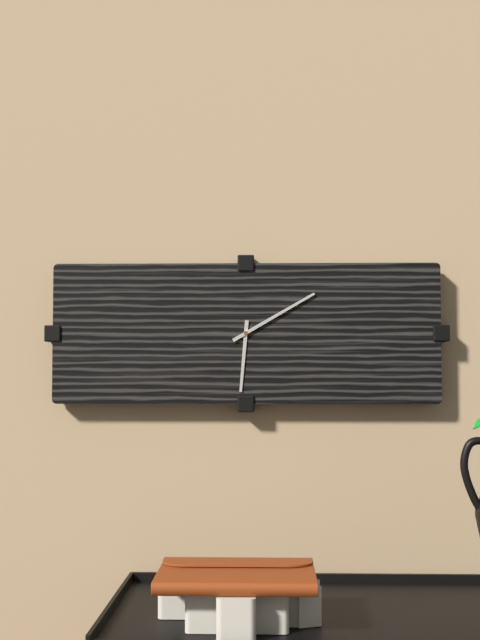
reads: 6,10
